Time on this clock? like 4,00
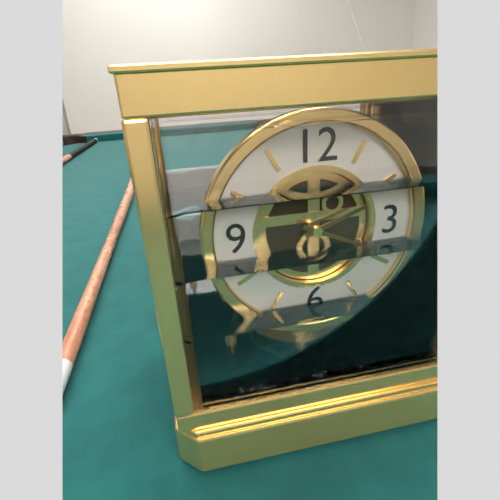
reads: 2,19
